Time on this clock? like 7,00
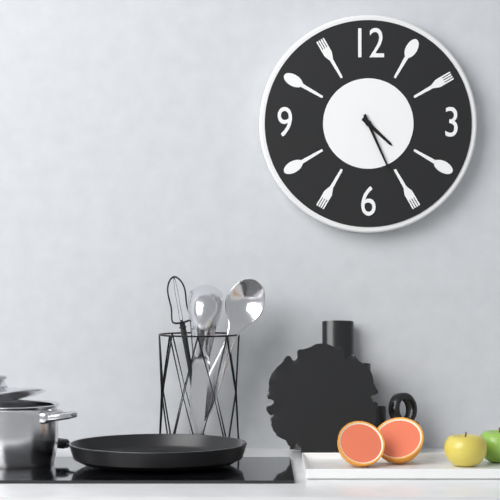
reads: 4,26
